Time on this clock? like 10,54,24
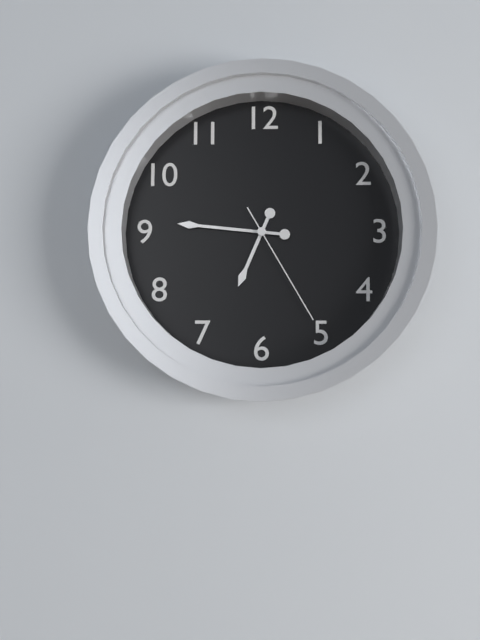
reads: 6,46,25
